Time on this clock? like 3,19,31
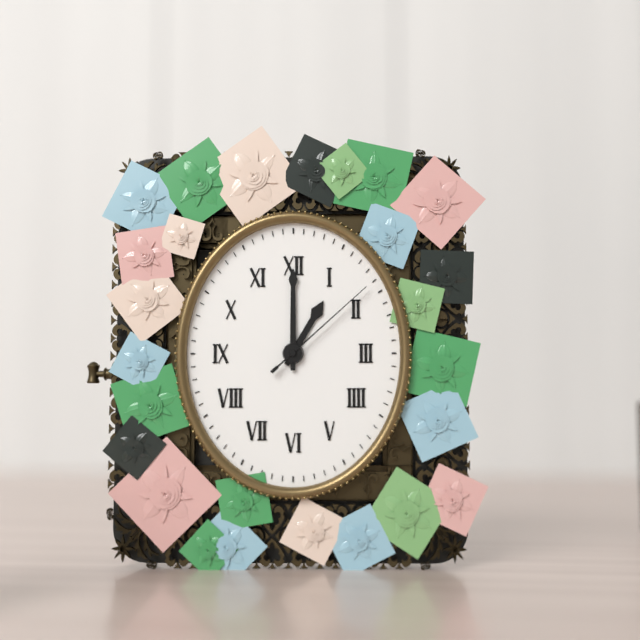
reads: 1,00,08
